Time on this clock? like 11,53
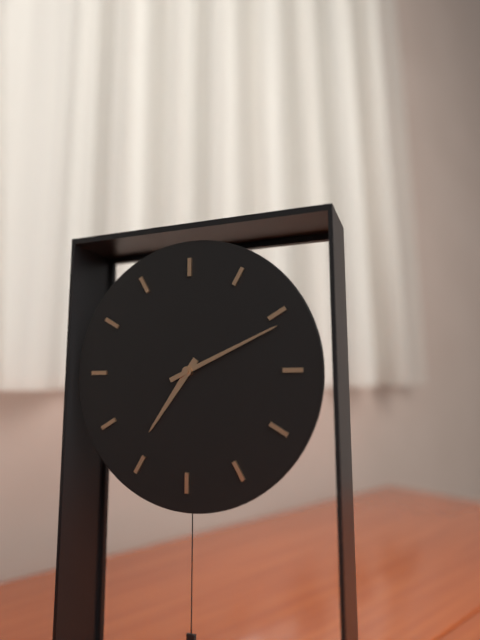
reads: 7,11
